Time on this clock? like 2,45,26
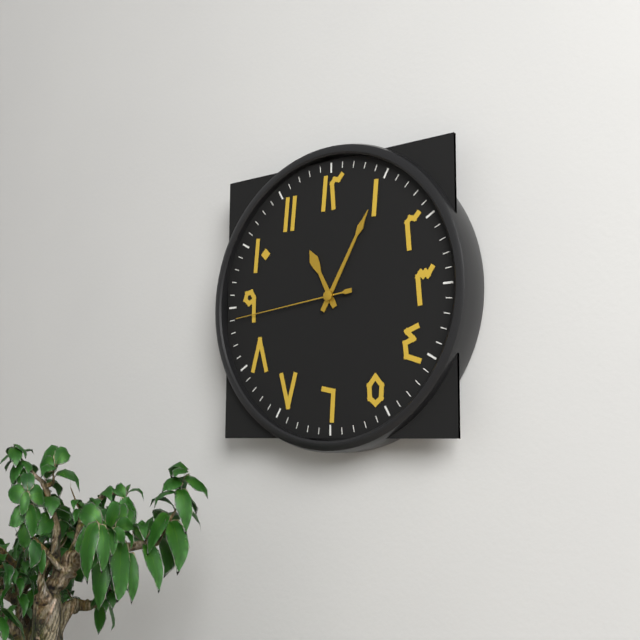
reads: 11,05,44
